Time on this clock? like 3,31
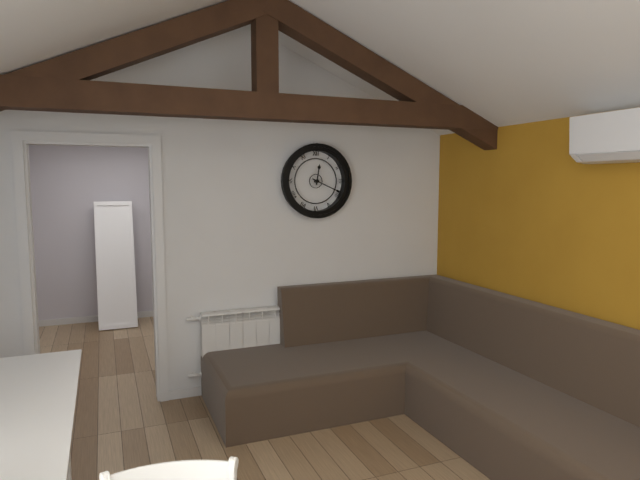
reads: 12,19
